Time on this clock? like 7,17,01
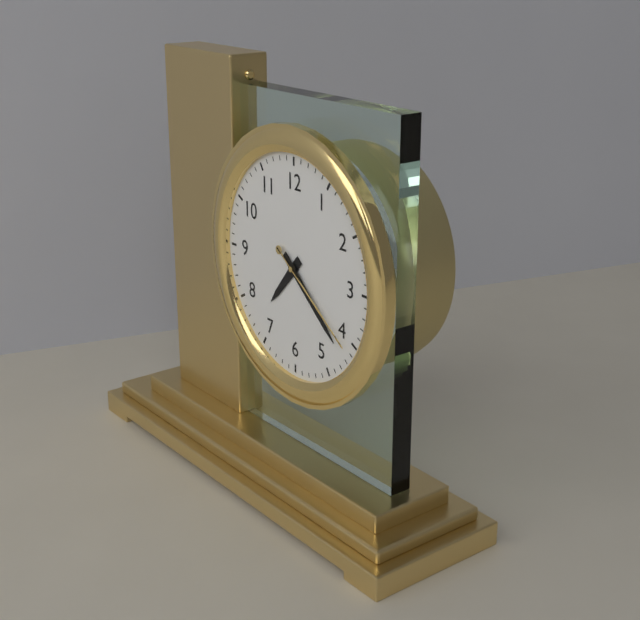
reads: 7,22,21
